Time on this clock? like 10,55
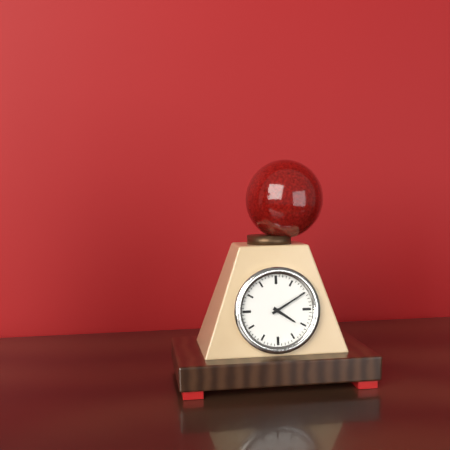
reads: 4,10
